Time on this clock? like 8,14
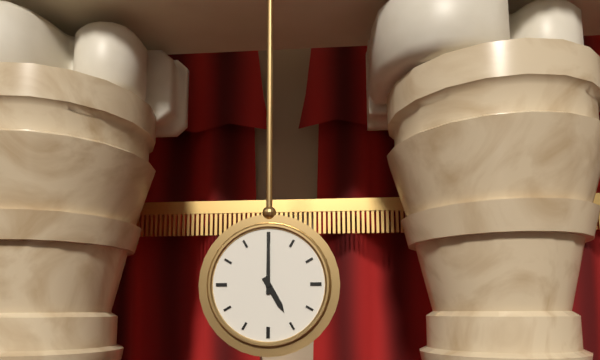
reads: 5,00
